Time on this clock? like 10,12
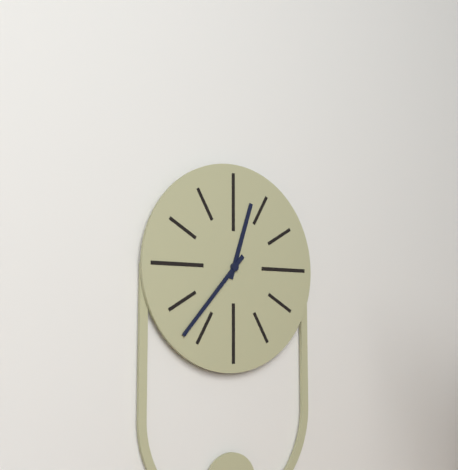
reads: 12,37
